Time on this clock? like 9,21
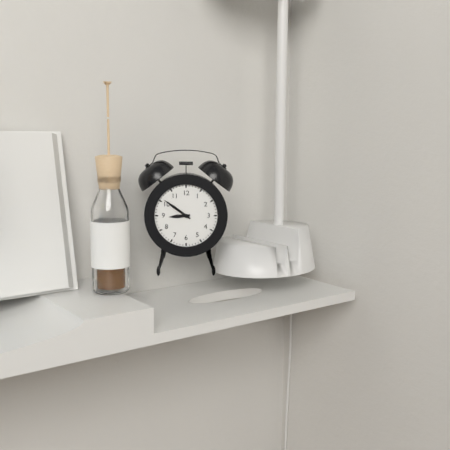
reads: 8,51
